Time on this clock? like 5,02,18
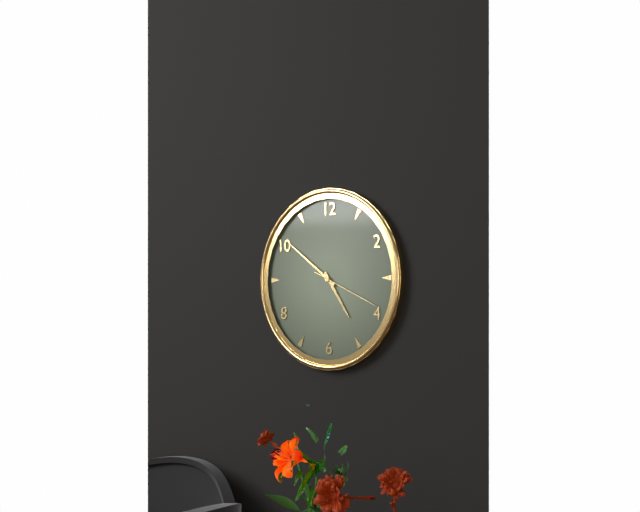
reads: 4,51,19
